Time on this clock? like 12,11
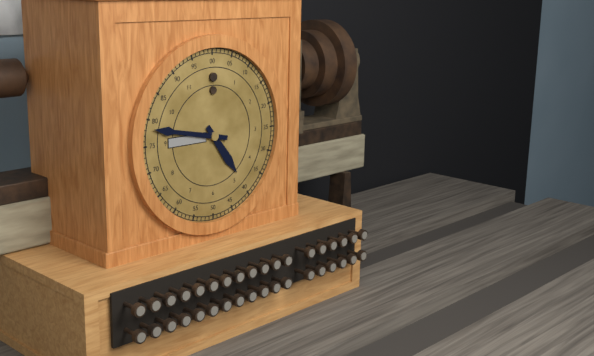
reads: 4,47
